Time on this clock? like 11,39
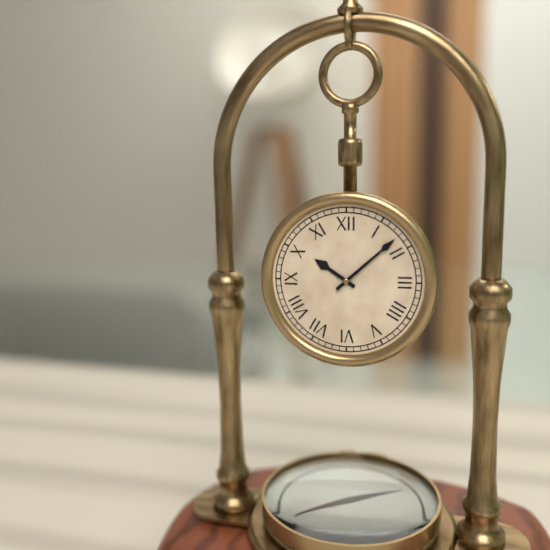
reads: 10,08
